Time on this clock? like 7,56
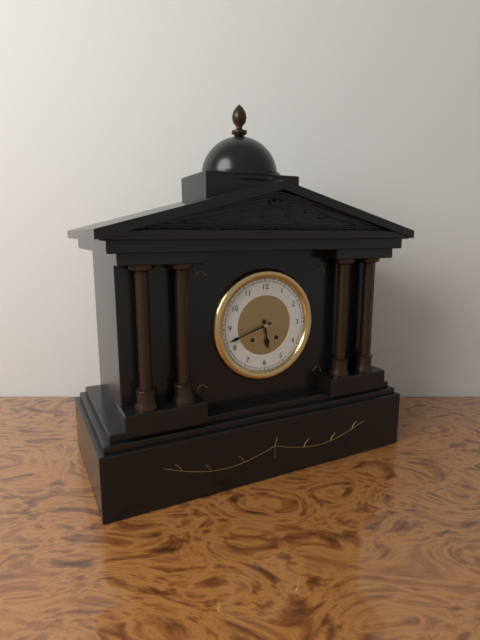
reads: 5,42
